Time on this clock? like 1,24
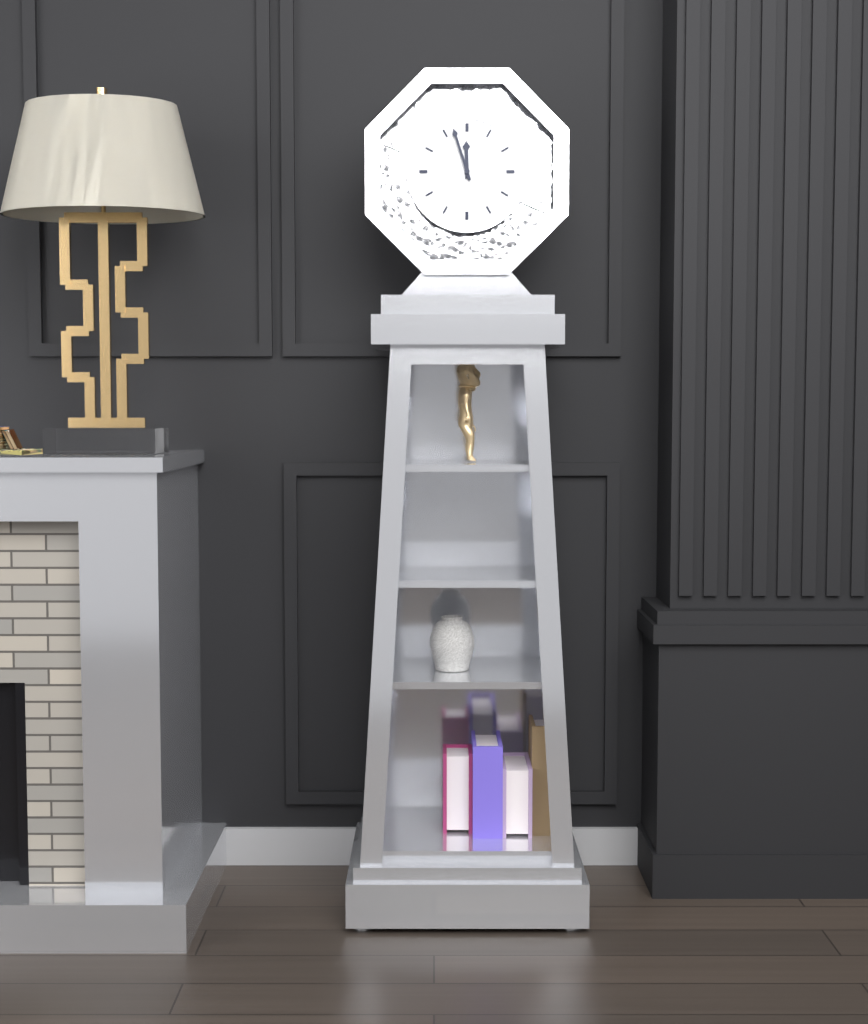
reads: 11,57
